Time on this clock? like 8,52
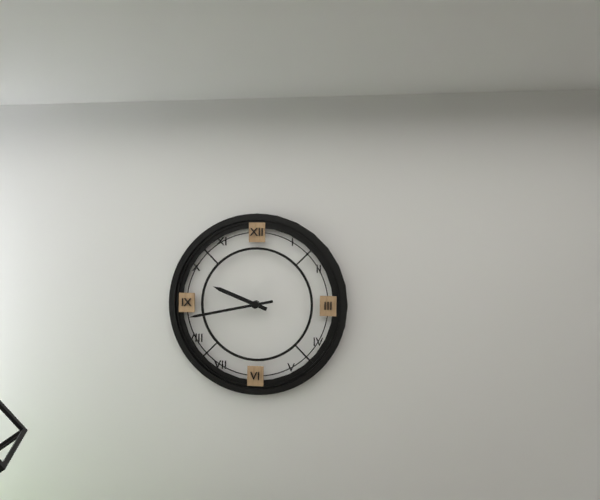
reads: 9,43
